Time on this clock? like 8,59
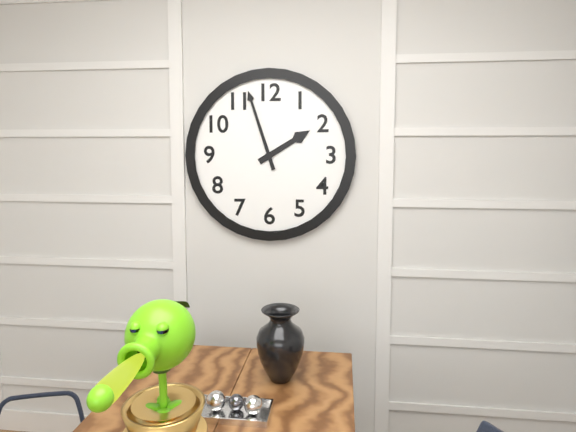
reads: 1,57
